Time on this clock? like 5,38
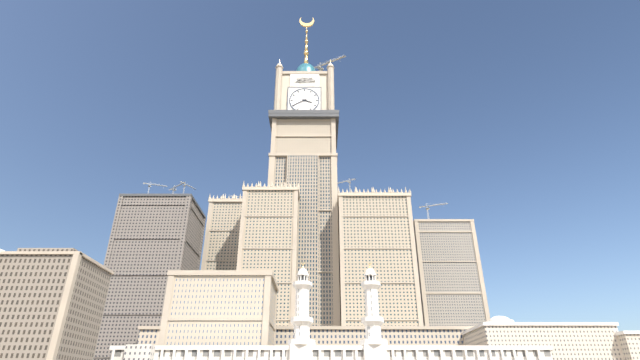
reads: 3,40
